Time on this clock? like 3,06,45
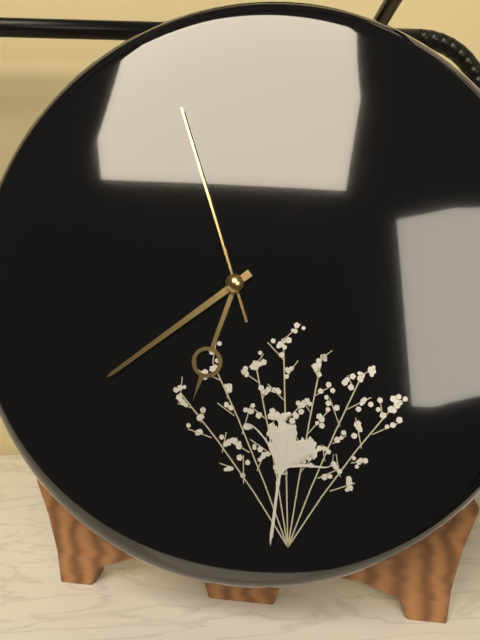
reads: 6,39,57
